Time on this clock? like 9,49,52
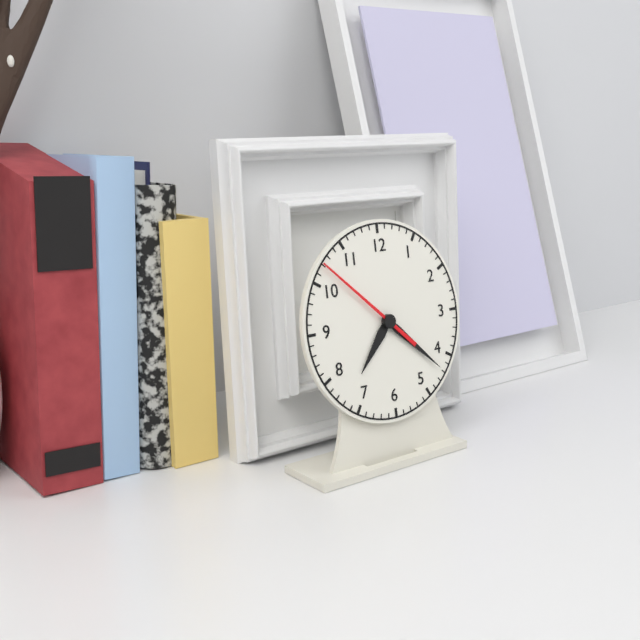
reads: 7,22,52
